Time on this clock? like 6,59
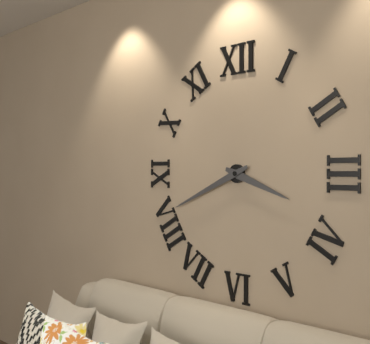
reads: 3,41
